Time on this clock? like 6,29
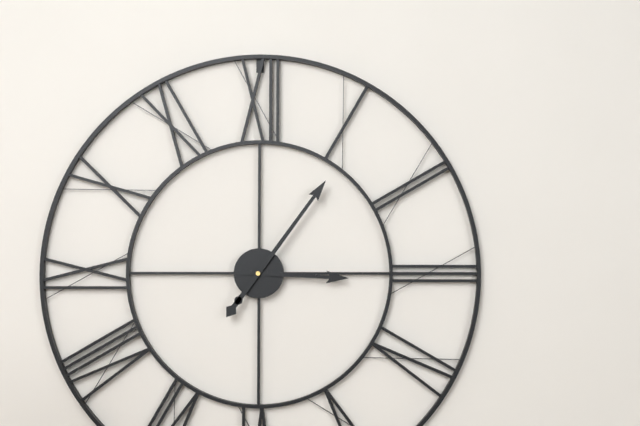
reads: 3,06
